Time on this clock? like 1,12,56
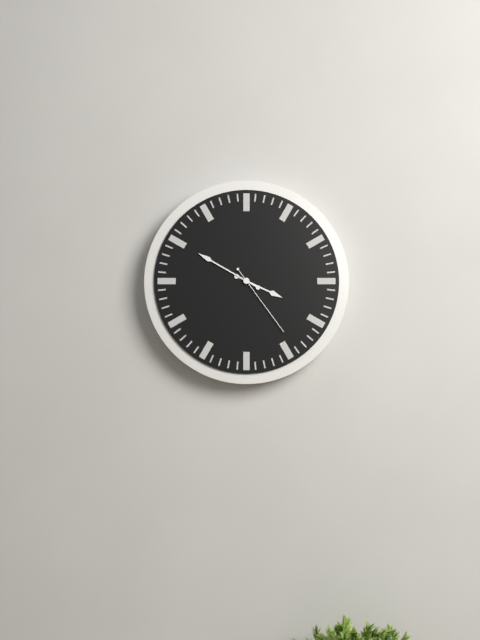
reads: 3,50,24
